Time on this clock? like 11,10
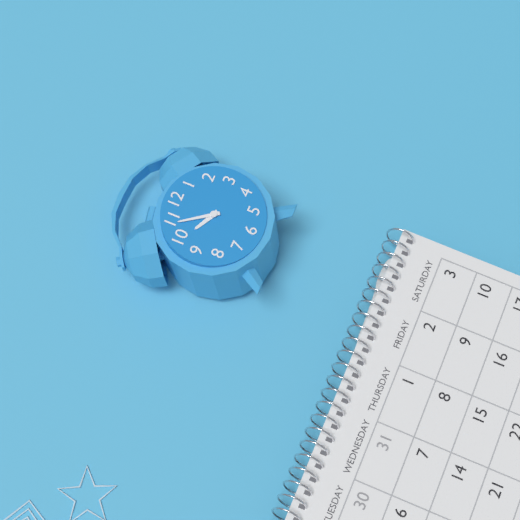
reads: 9,54
